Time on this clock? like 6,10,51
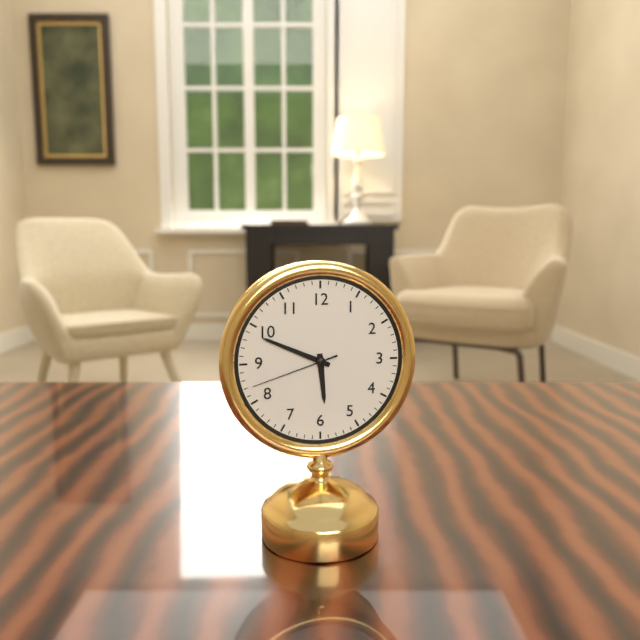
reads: 5,49,42
